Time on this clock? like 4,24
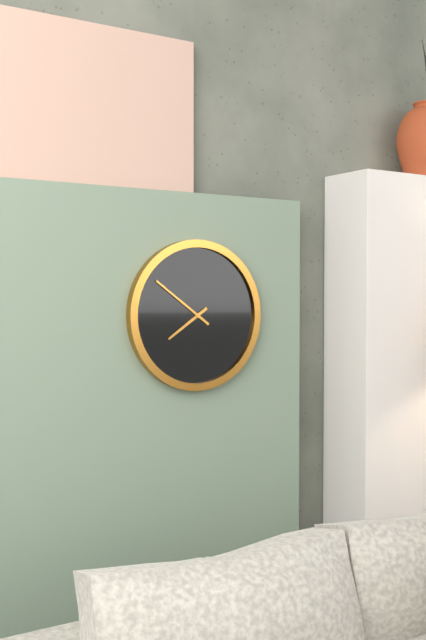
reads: 7,51
